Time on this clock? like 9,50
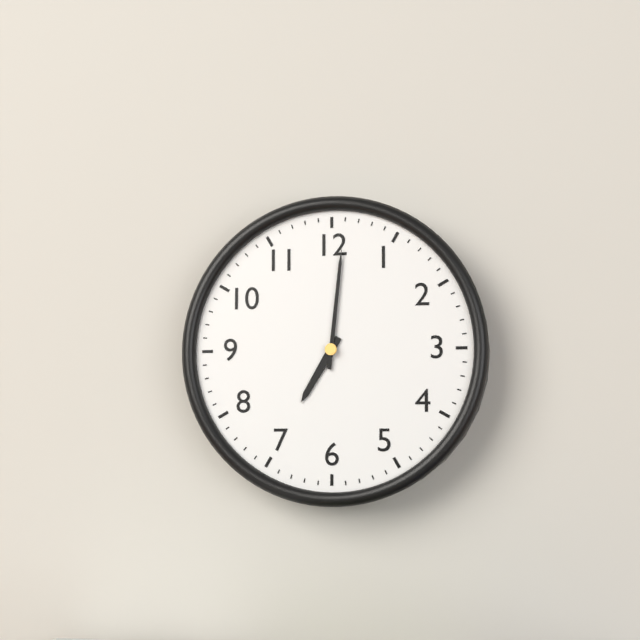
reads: 7,01
